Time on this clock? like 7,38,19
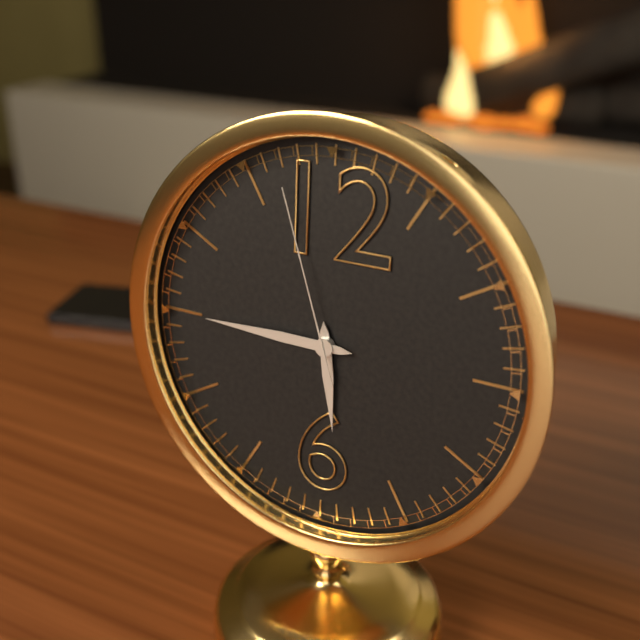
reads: 5,45,57
